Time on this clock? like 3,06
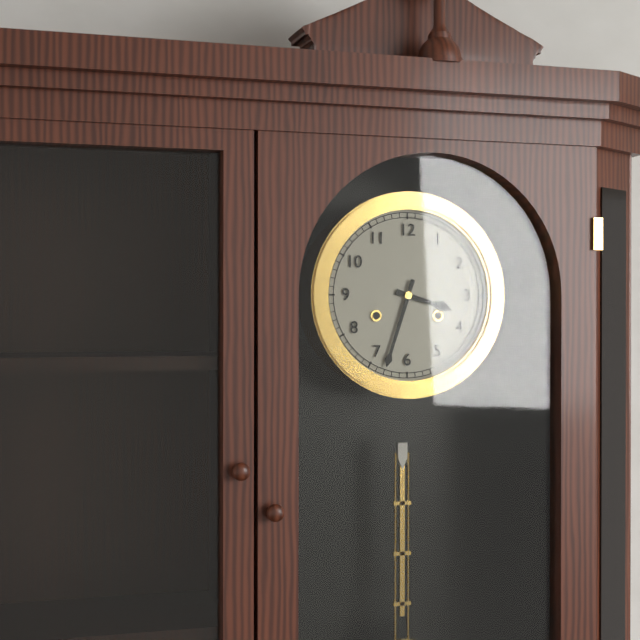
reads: 3,33
